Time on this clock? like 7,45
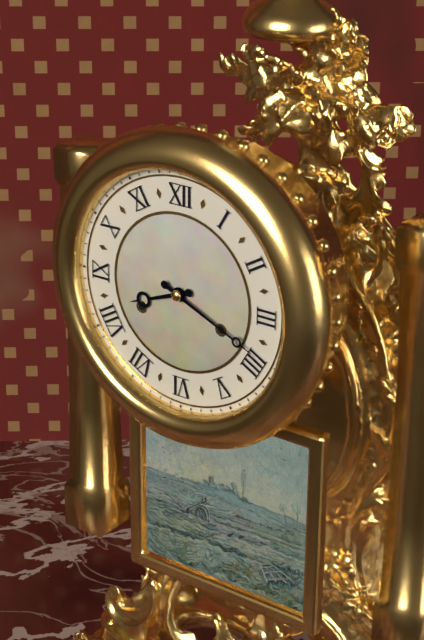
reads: 8,19
